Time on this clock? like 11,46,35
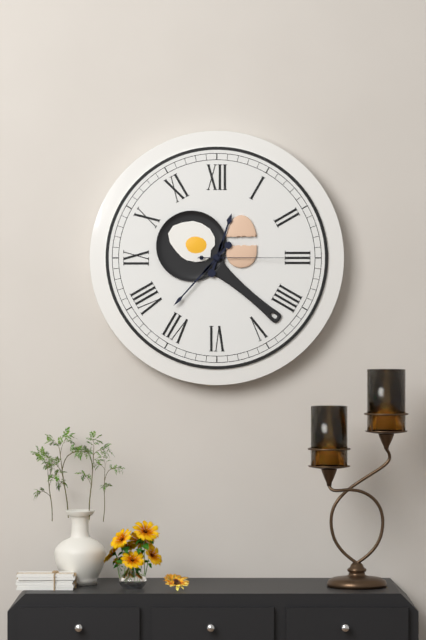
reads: 12,37,15
